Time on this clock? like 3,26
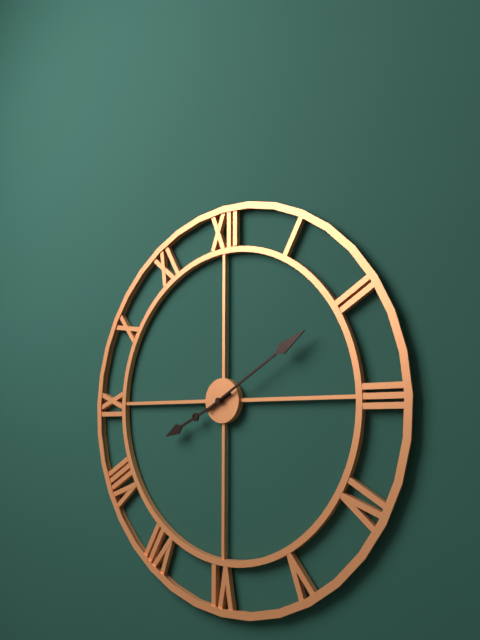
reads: 8,10
